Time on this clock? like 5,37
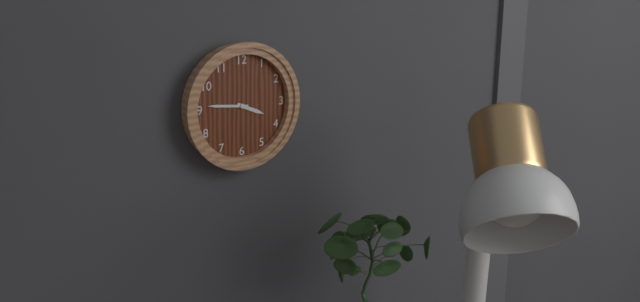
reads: 3,46
